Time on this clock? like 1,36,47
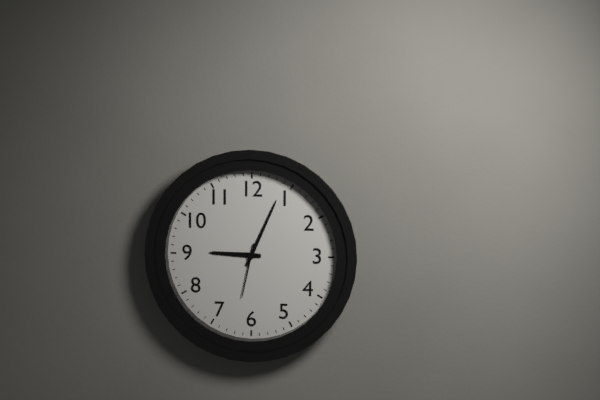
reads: 9,04,32
